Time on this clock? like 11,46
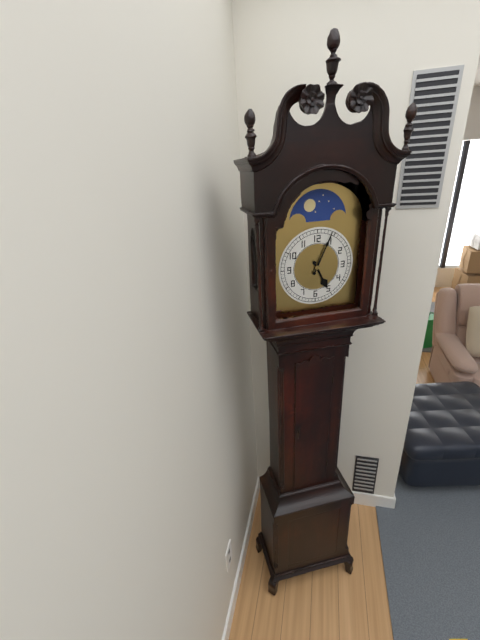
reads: 5,04
